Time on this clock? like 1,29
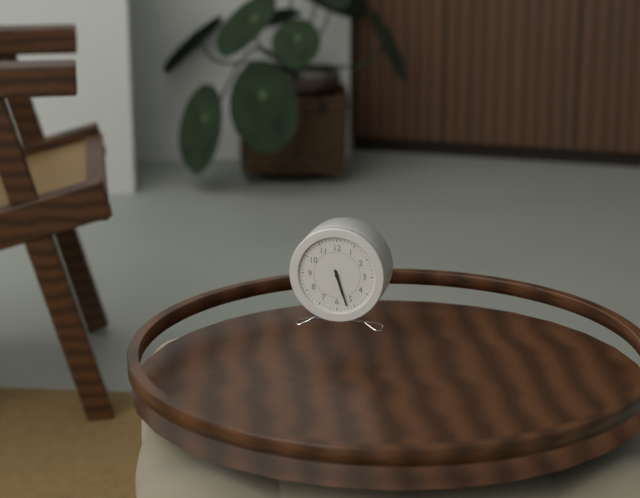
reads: 5,27
